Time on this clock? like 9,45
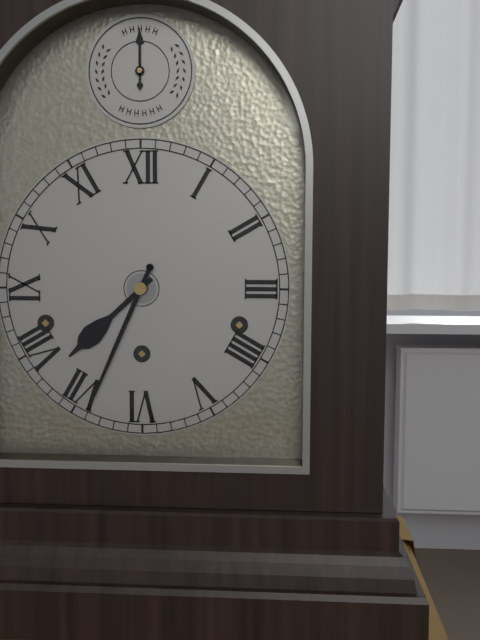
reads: 7,34
